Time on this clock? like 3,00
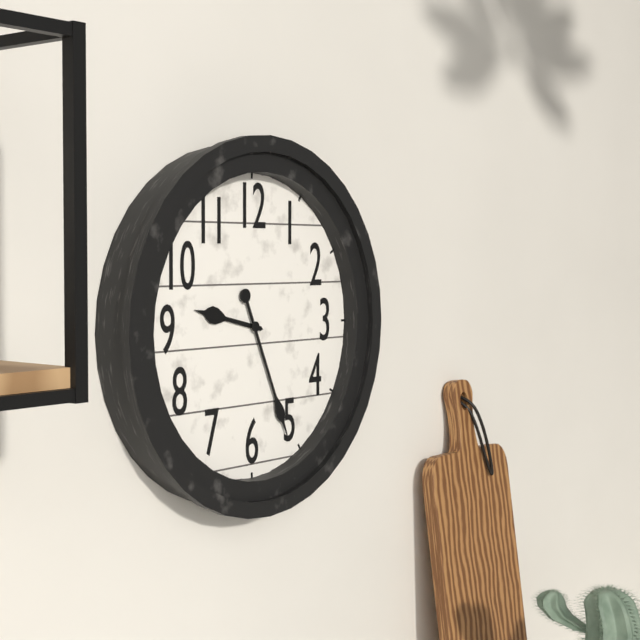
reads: 9,26
